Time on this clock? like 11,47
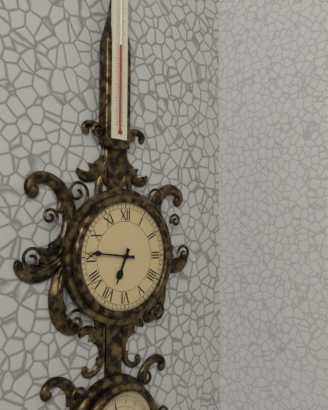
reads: 6,46
